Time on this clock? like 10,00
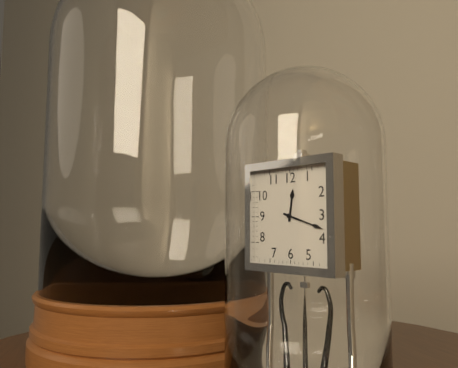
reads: 12,18
